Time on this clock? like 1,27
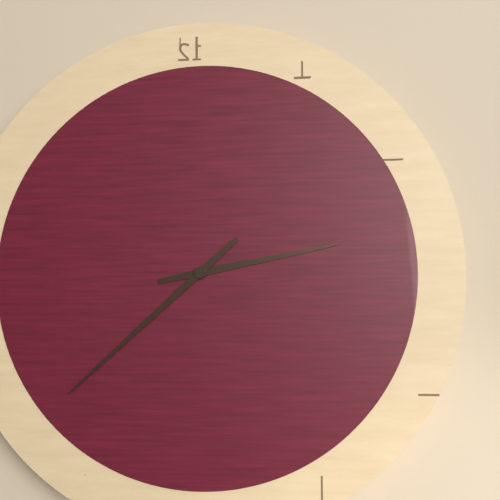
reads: 2,38
